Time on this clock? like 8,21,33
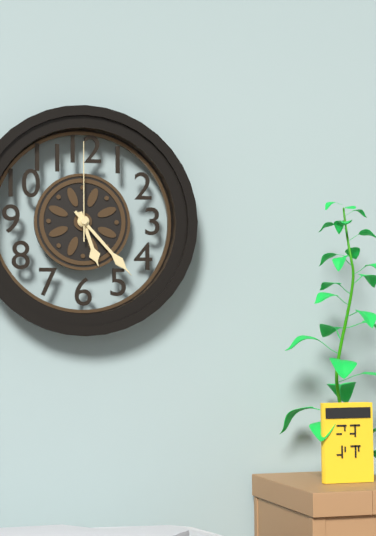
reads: 5,23,00
